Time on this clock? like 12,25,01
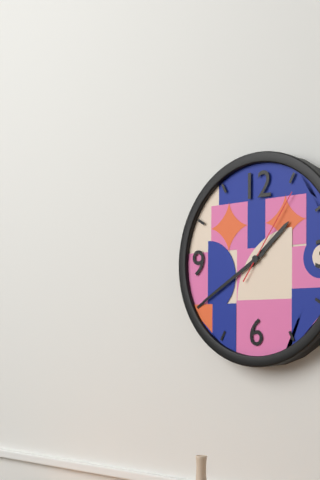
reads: 1,40,06
